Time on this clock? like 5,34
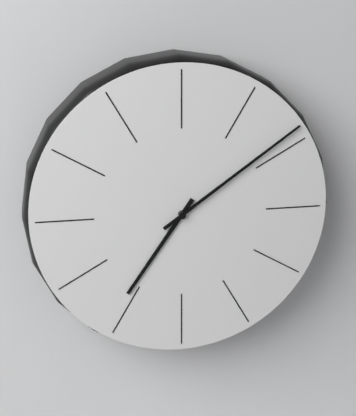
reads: 7,09
